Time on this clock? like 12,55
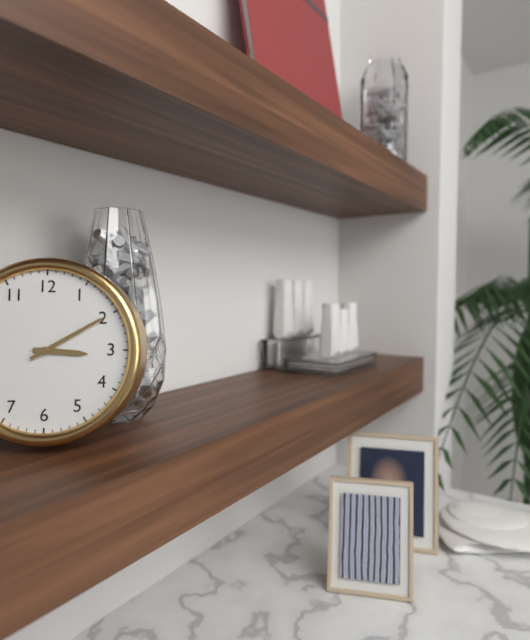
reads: 3,10
